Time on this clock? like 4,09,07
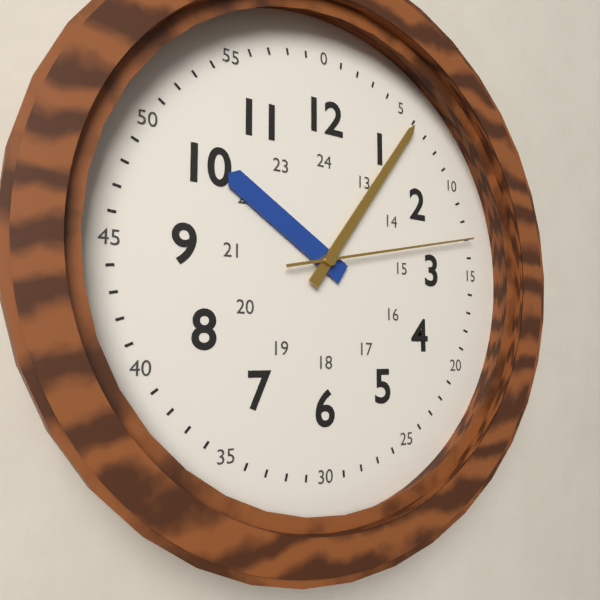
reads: 10,06,13
